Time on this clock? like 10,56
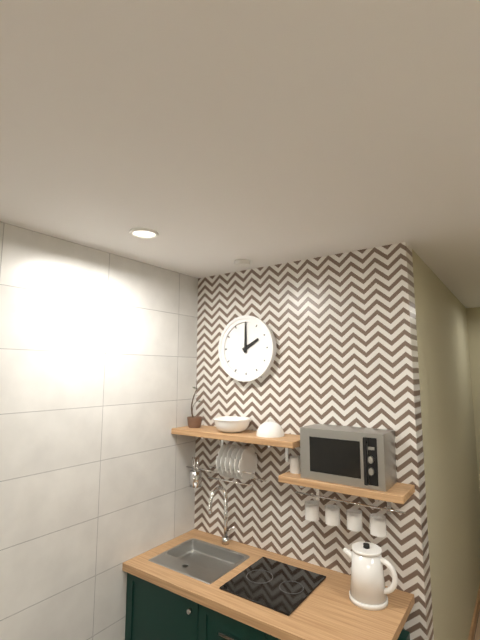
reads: 2,00
